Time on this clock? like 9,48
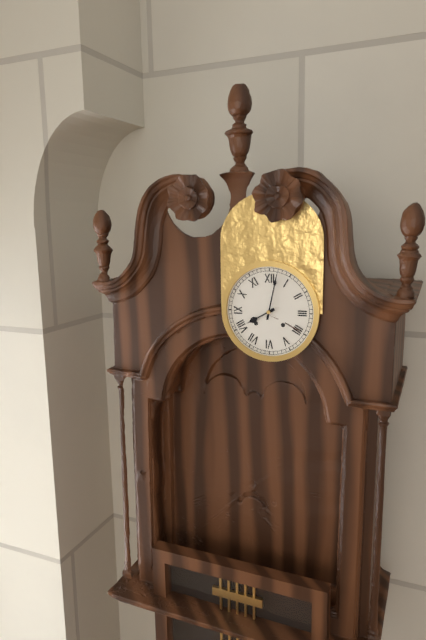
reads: 8,02
